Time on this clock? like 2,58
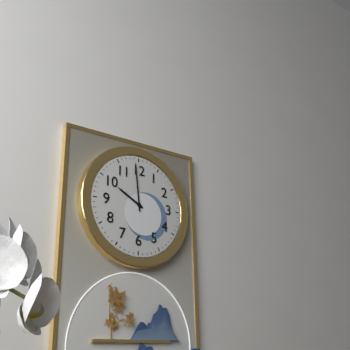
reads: 9,59
